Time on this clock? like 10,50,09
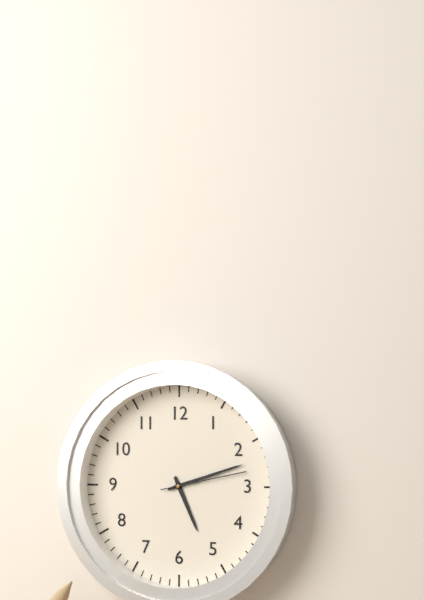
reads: 5,12,13
